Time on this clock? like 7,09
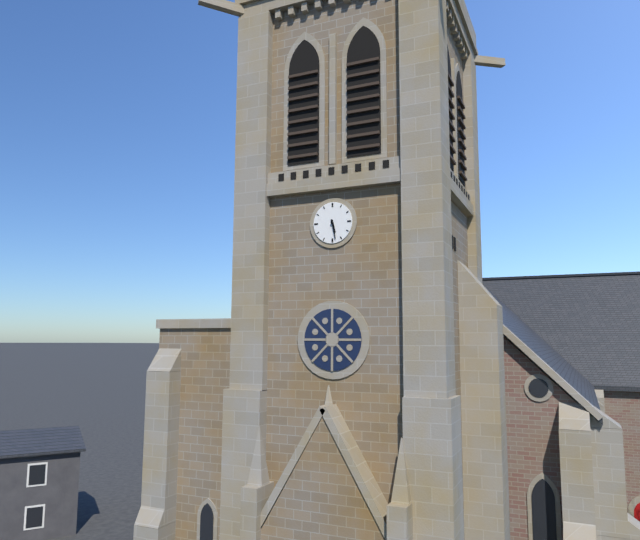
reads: 5,28
